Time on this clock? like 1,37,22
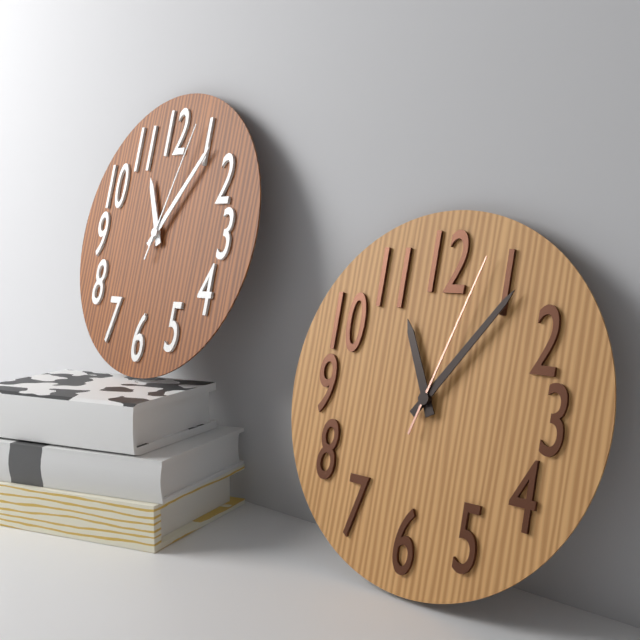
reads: 11,06,03
